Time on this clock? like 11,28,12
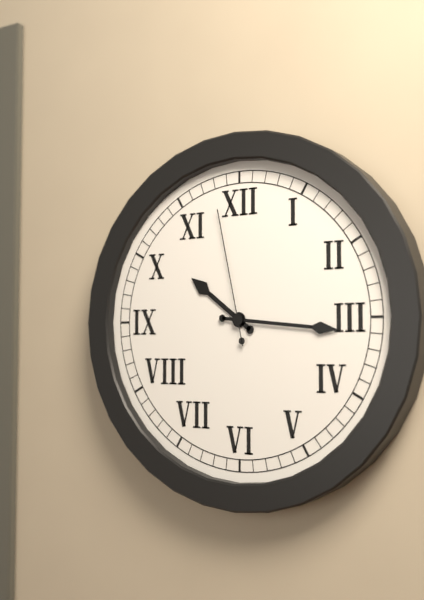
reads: 10,16,58
